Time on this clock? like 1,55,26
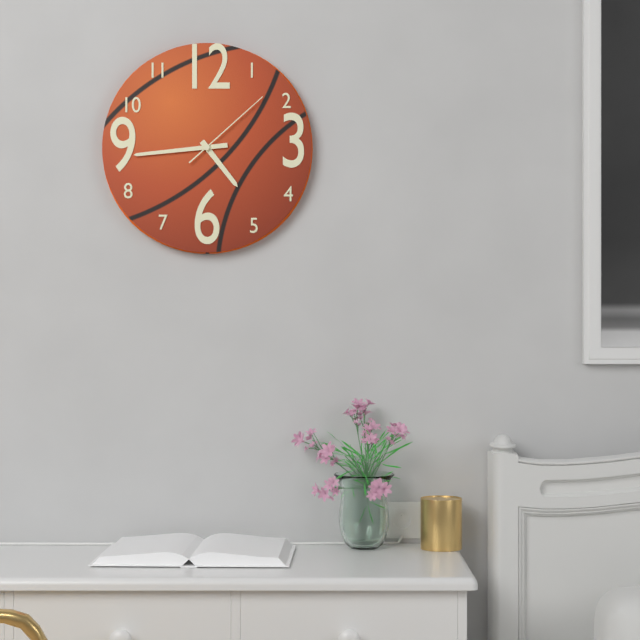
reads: 4,44,08
